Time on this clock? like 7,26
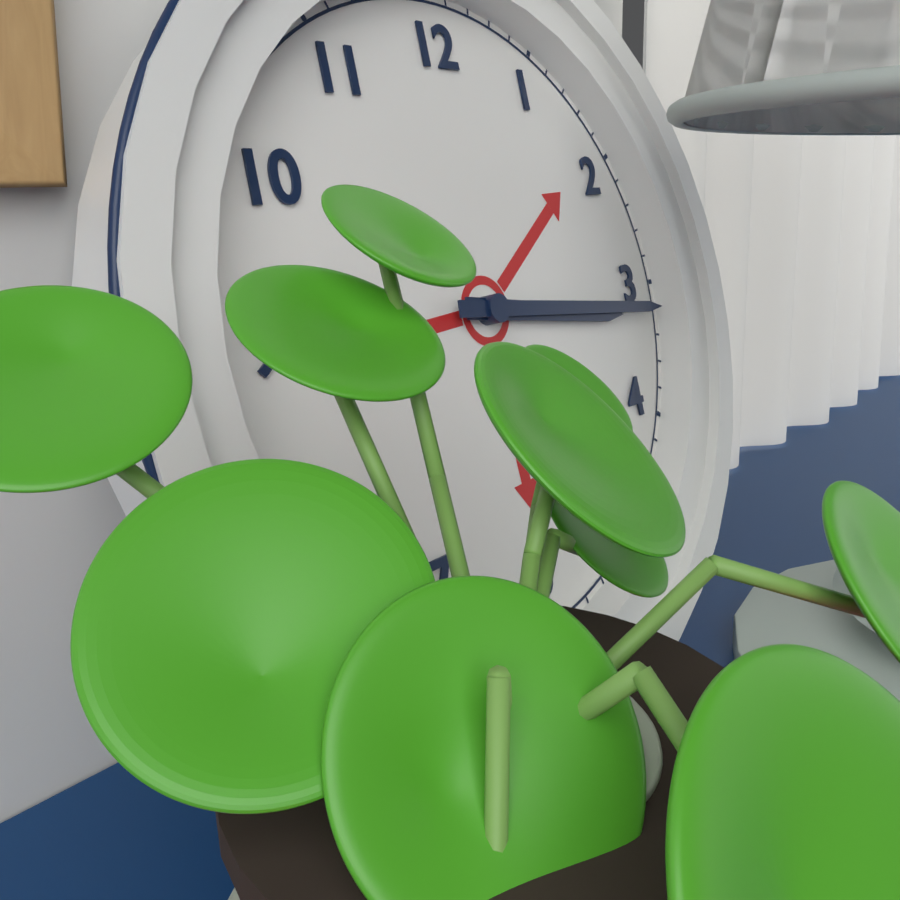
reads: 3,16
